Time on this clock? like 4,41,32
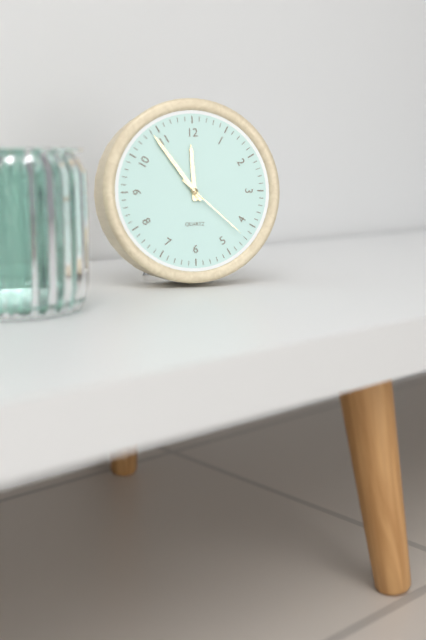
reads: 11,54,22
